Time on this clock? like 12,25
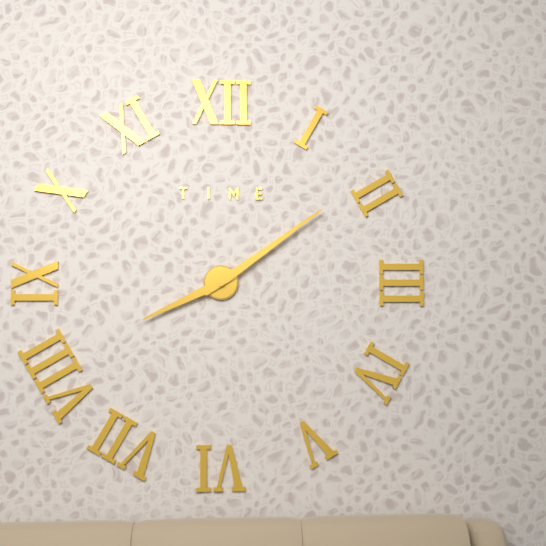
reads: 8,09
